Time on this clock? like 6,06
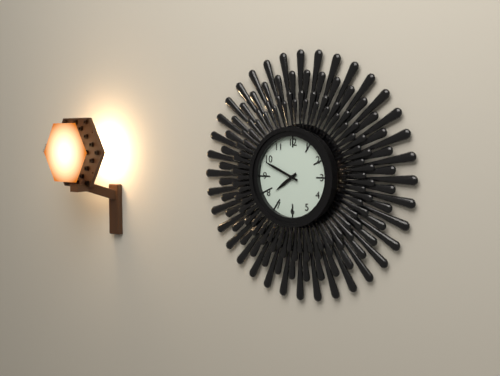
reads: 7,49
